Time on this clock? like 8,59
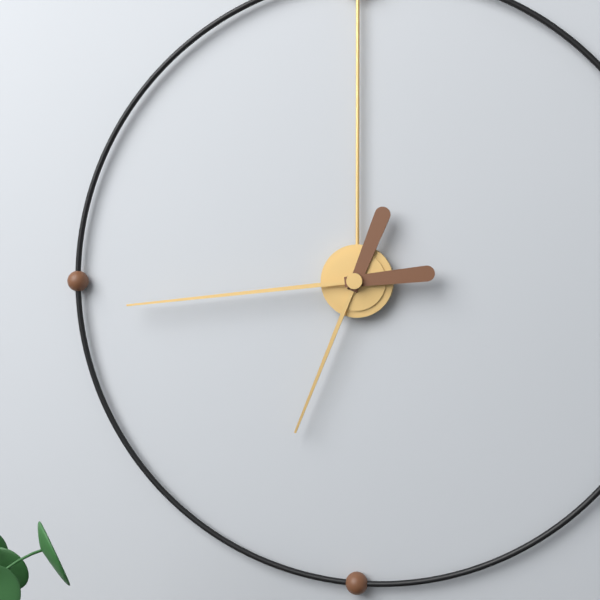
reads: 6,44
